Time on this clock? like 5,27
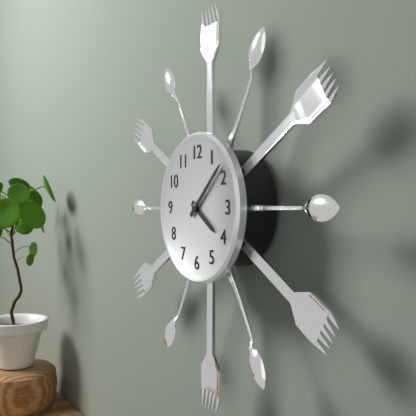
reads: 4,08
